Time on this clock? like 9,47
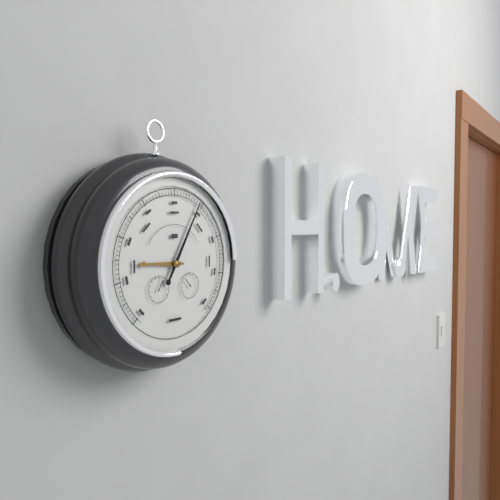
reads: 9,05
